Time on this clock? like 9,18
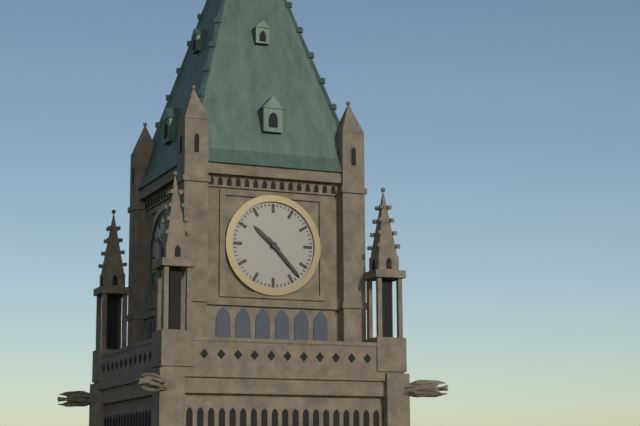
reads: 10,23
